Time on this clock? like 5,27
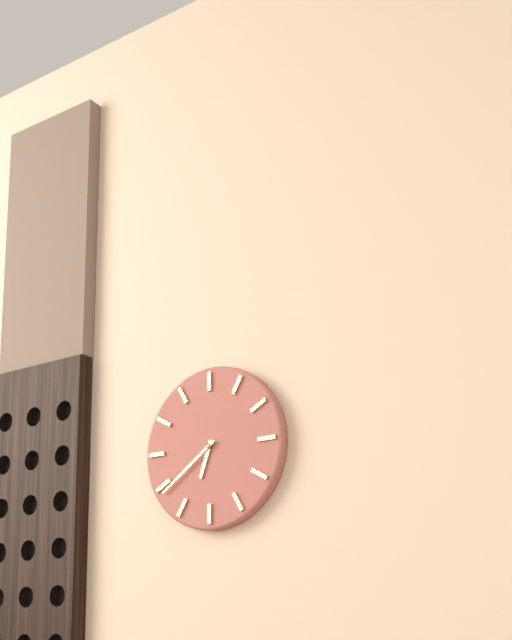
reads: 6,39
